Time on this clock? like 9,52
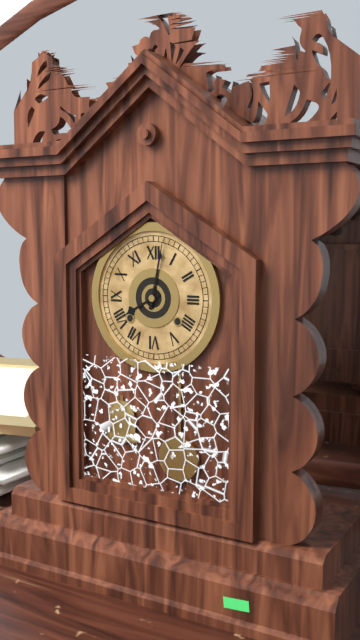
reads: 8,02
